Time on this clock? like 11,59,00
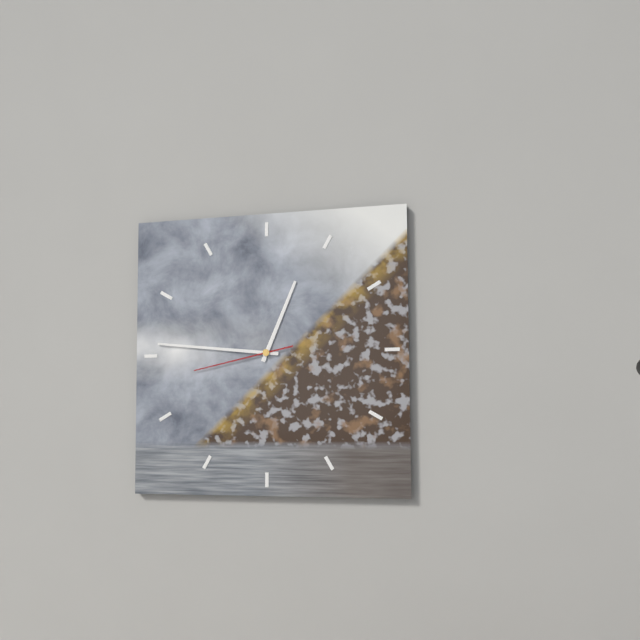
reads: 12,46,43
